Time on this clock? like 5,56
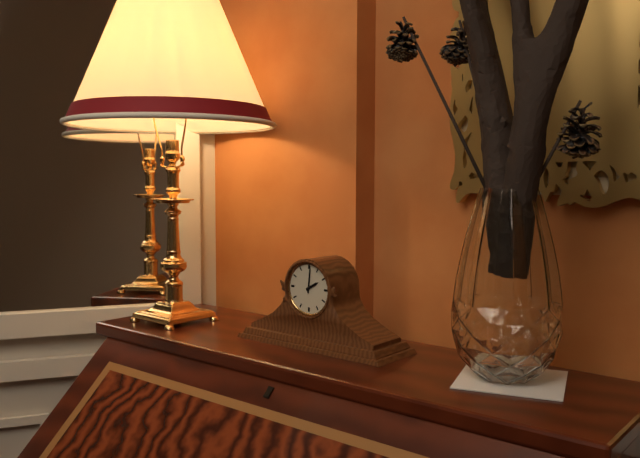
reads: 2,01
